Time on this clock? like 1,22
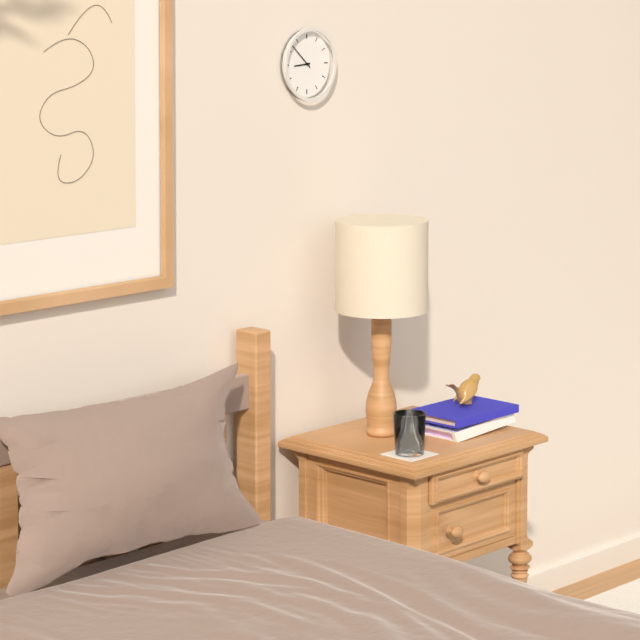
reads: 8,52
